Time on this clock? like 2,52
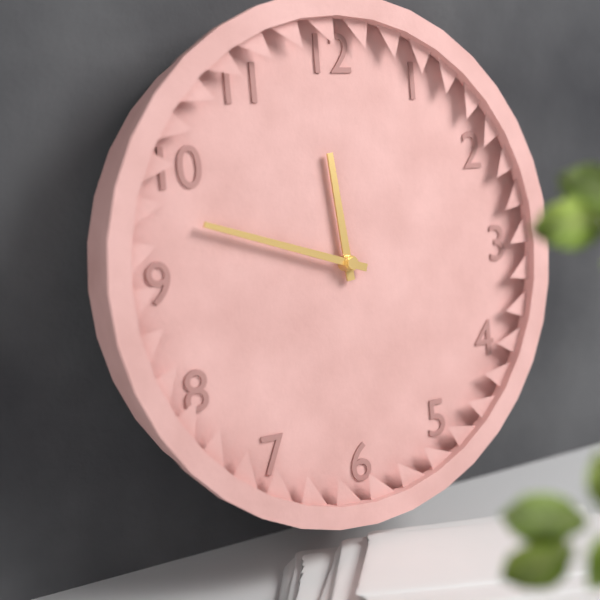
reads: 11,48
